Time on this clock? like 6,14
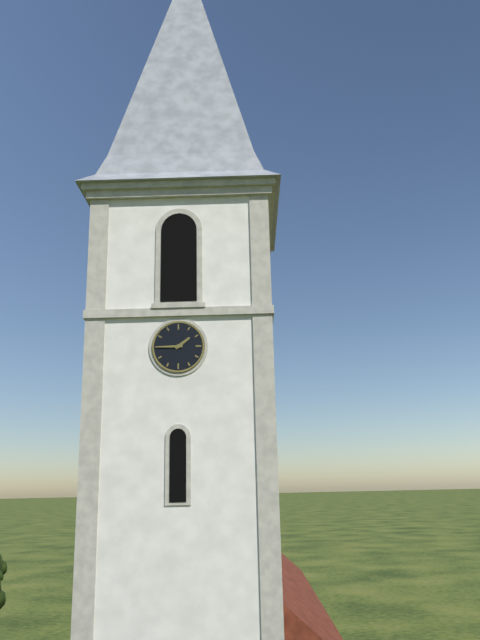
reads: 1,45
